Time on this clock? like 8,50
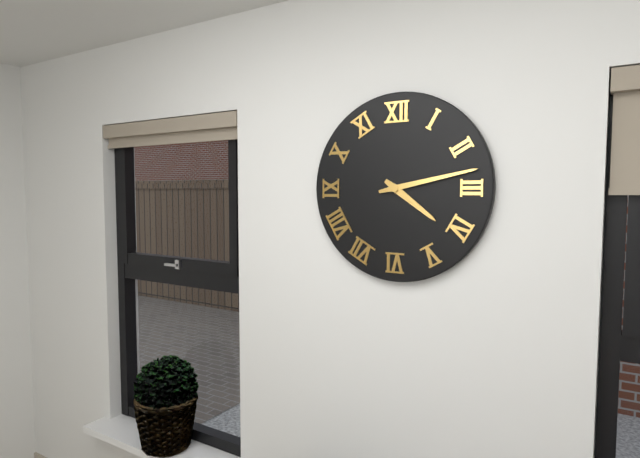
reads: 4,13
